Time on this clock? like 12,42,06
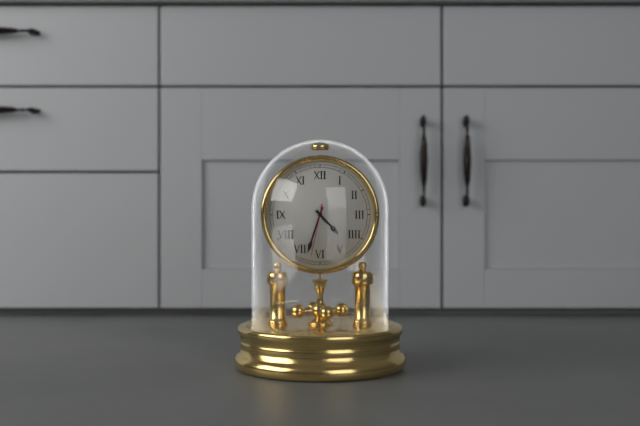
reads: 4,33,32
